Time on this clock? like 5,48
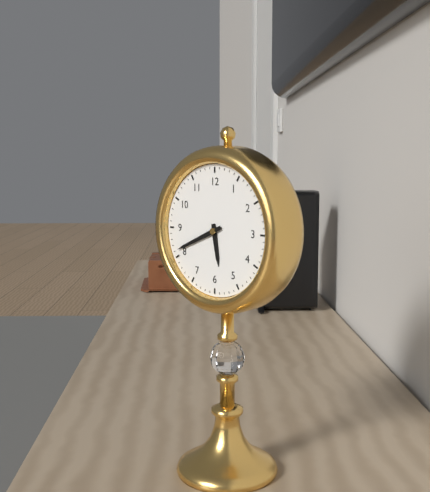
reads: 5,41
